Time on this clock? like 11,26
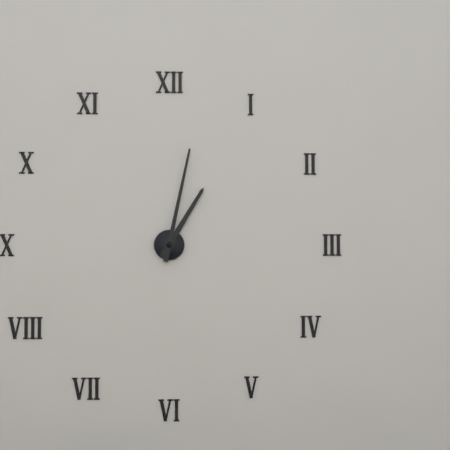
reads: 1,02
